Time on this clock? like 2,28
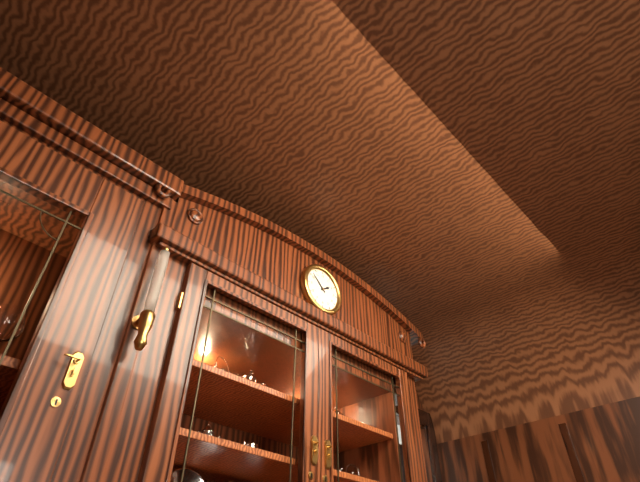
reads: 1,52
